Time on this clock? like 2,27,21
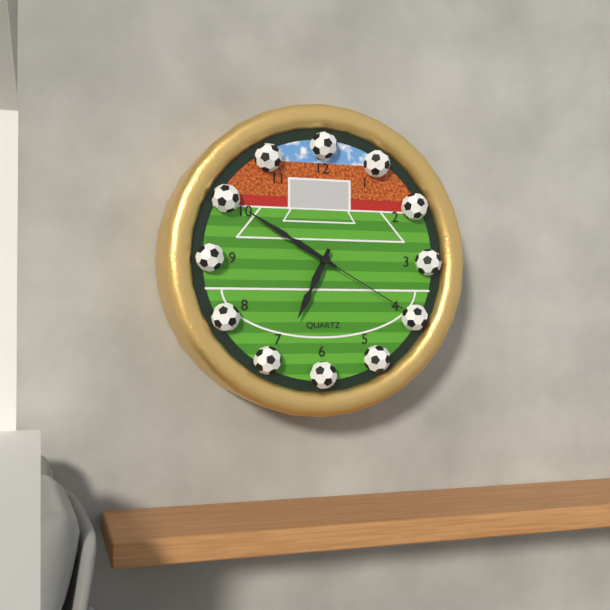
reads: 6,50,20
